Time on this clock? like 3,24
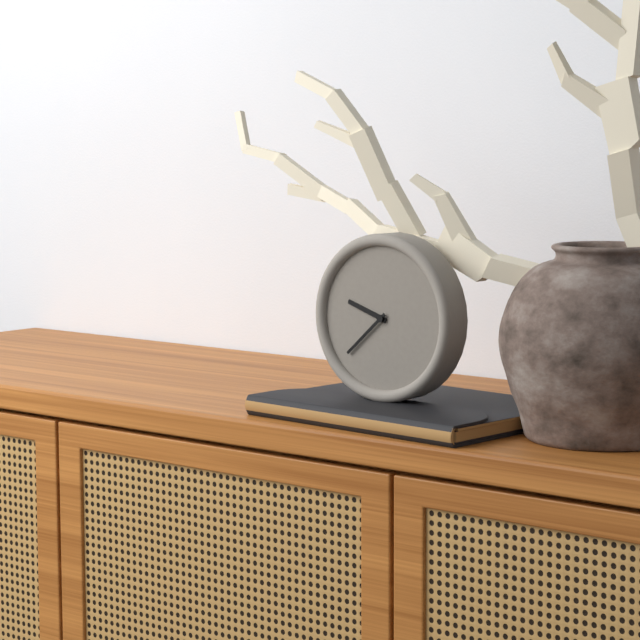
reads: 9,38
